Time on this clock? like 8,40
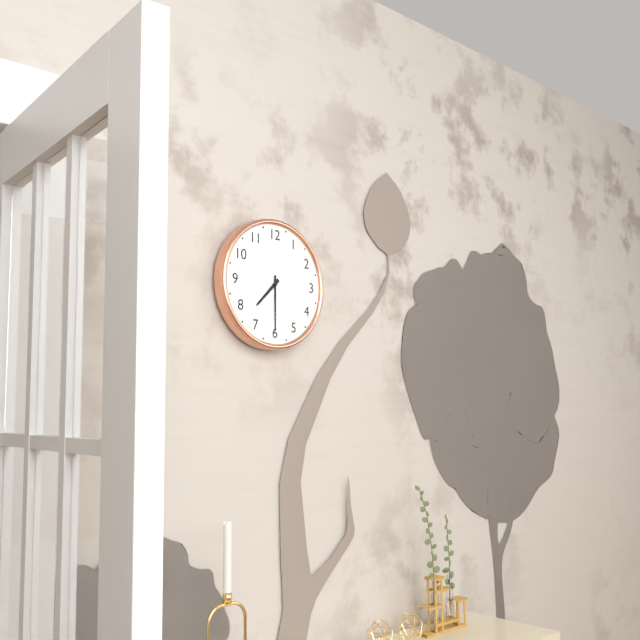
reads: 7,30
